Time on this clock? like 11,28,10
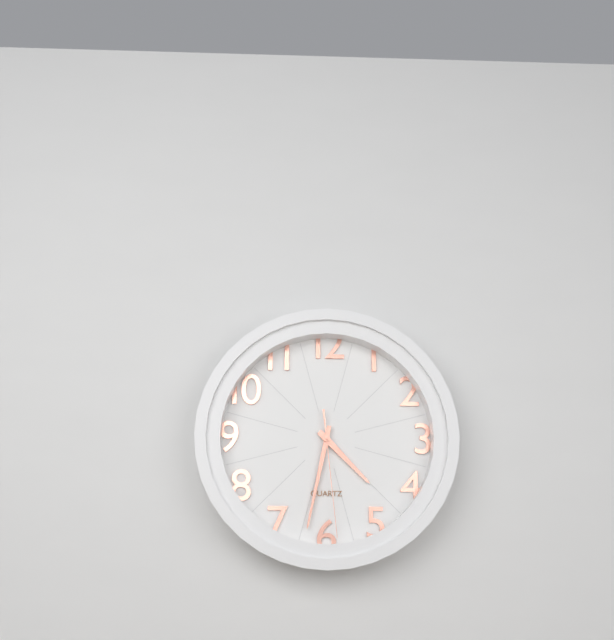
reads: 4,32,29
